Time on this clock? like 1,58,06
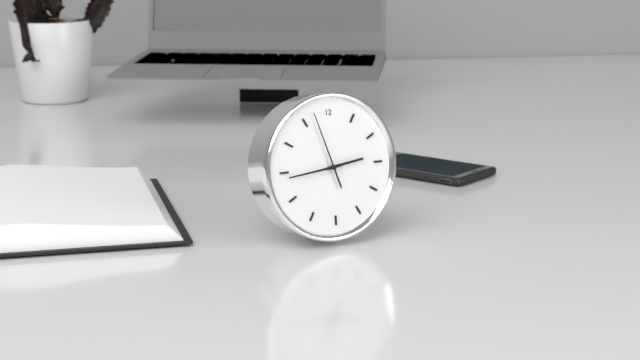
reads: 2,44,57
